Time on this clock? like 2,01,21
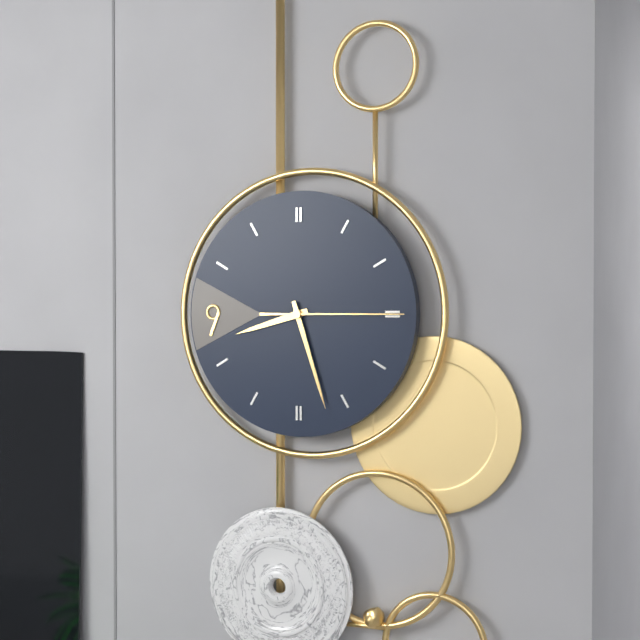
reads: 8,27,15
